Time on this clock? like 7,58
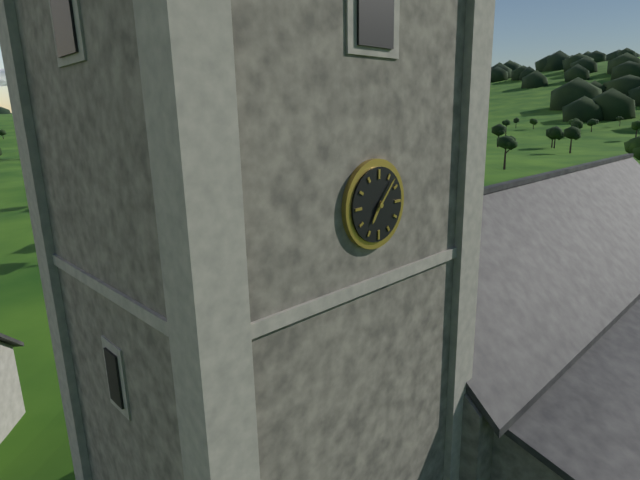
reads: 7,07
